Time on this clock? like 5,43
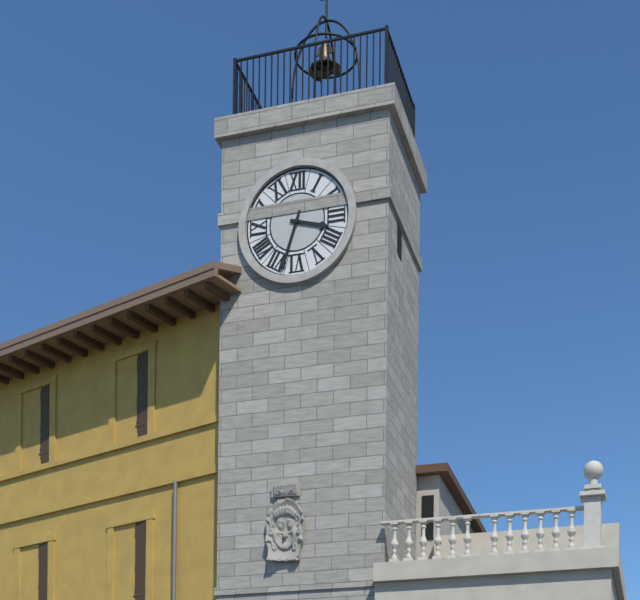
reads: 3,33
